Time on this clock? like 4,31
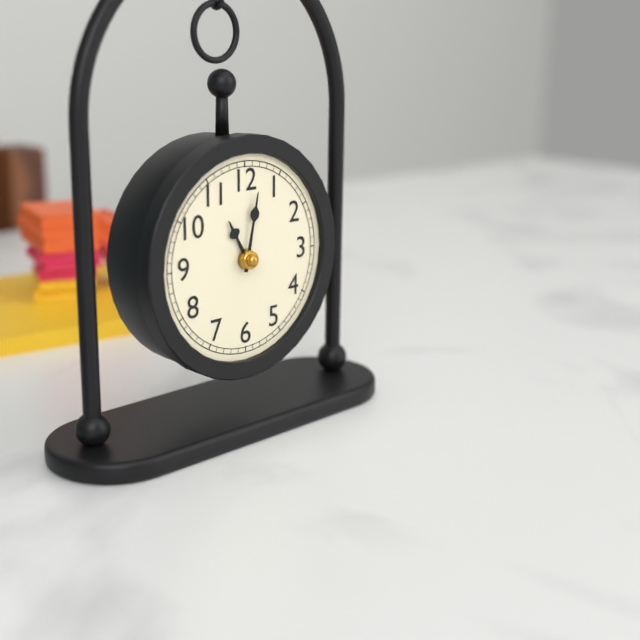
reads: 11,02
